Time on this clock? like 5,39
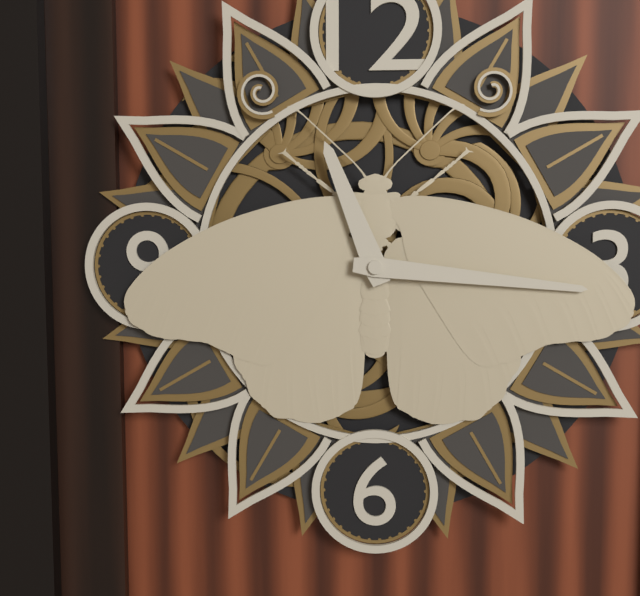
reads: 11,16
